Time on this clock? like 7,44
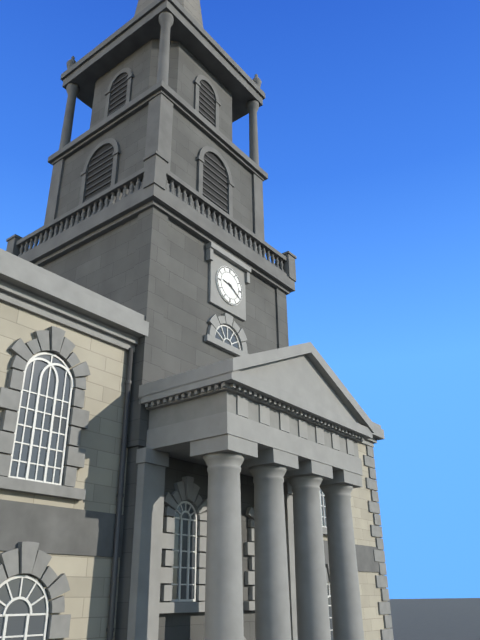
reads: 9,20
